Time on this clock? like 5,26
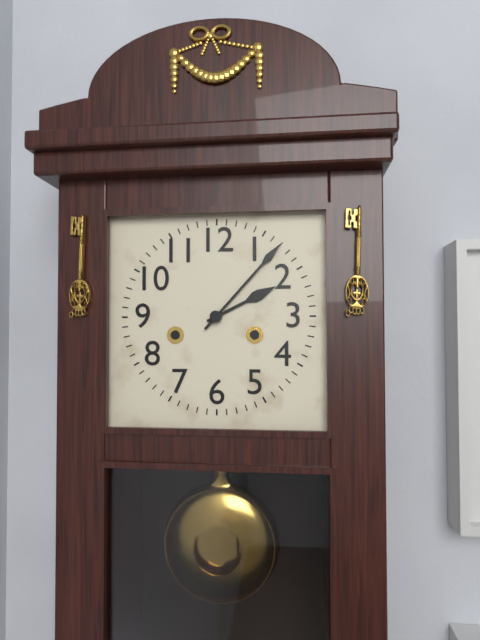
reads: 2,07
